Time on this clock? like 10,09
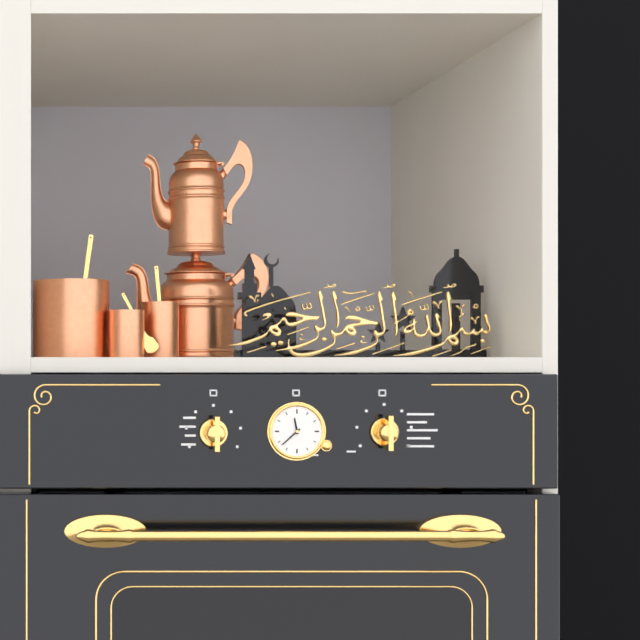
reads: 11,38
